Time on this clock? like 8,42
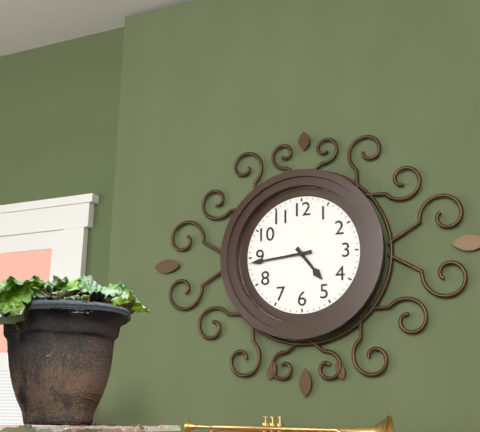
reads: 4,44
